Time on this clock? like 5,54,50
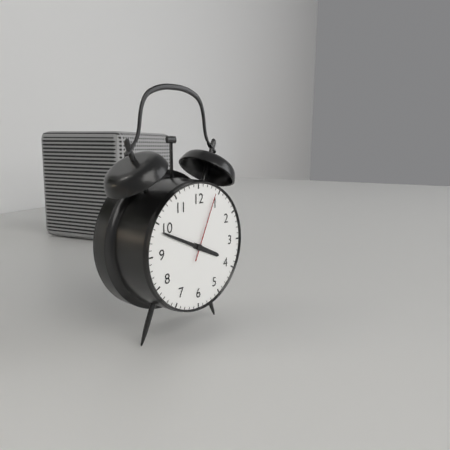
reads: 3,49,04
